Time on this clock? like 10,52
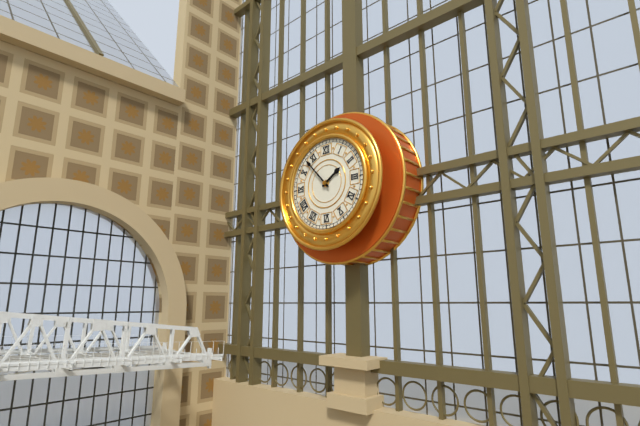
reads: 1,53
